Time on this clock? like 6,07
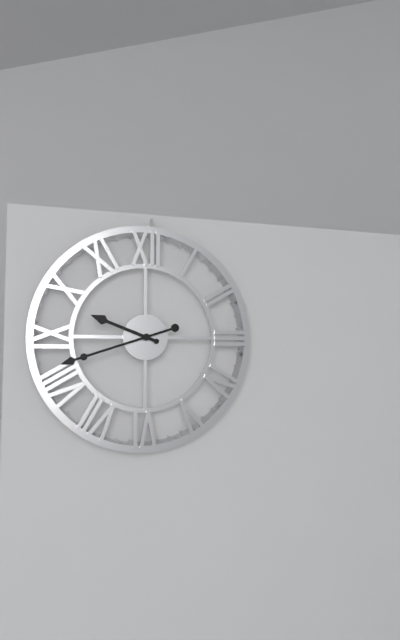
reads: 9,42
